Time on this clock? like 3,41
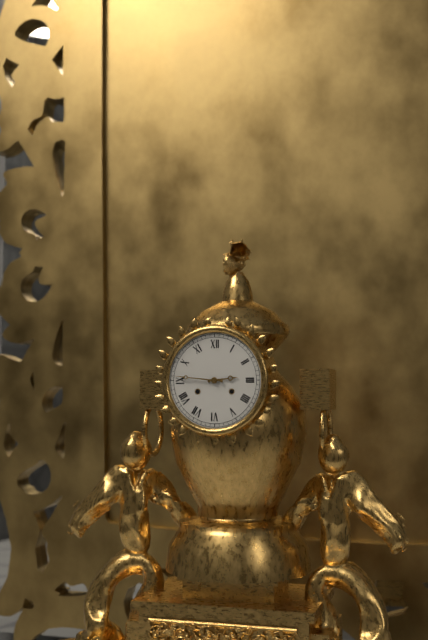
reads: 2,46
